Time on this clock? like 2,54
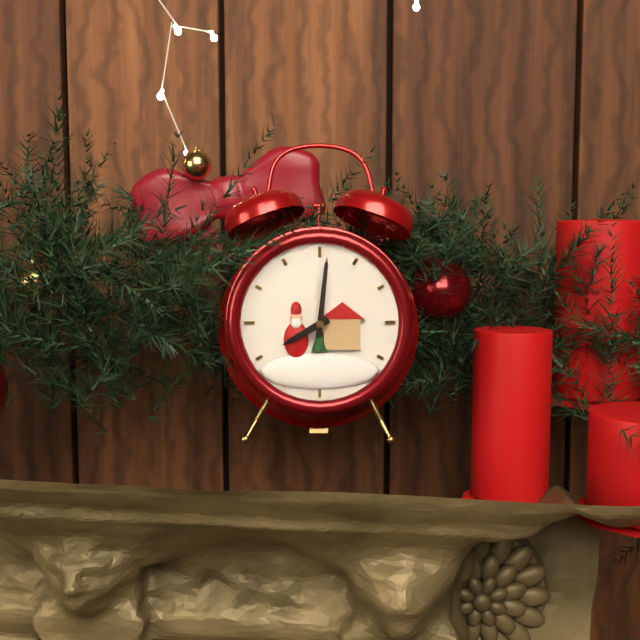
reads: 8,01
